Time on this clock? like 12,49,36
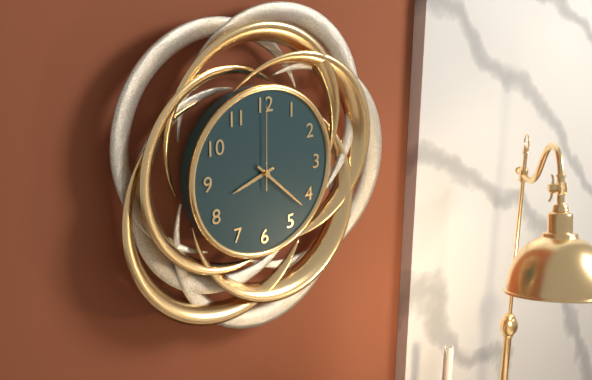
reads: 8,22,00
